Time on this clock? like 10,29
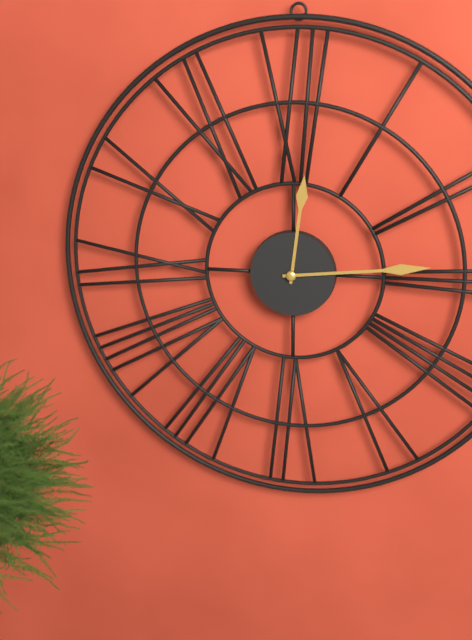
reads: 12,14
